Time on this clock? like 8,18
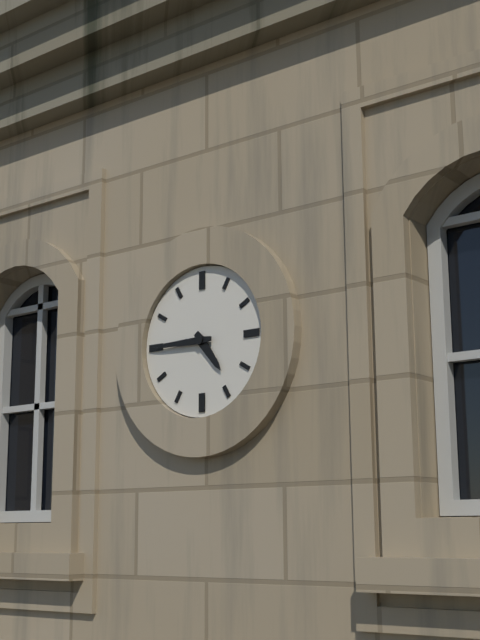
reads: 4,45
